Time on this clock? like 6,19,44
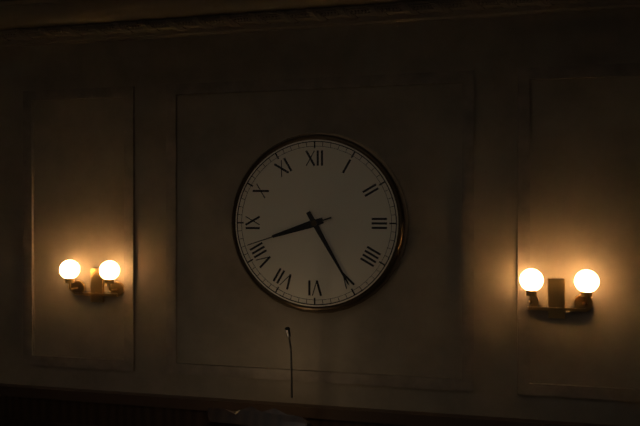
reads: 8,25,42
